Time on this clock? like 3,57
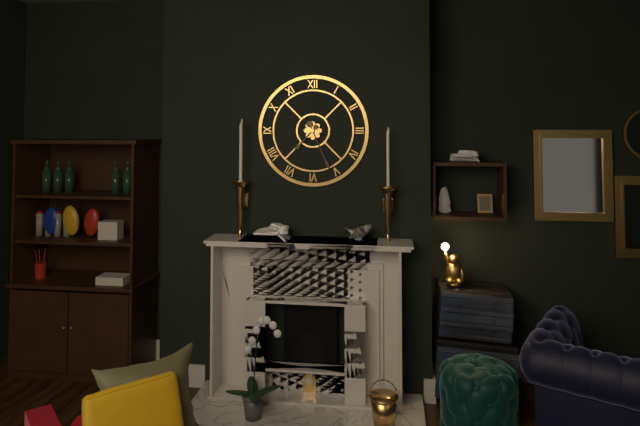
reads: 7,26
